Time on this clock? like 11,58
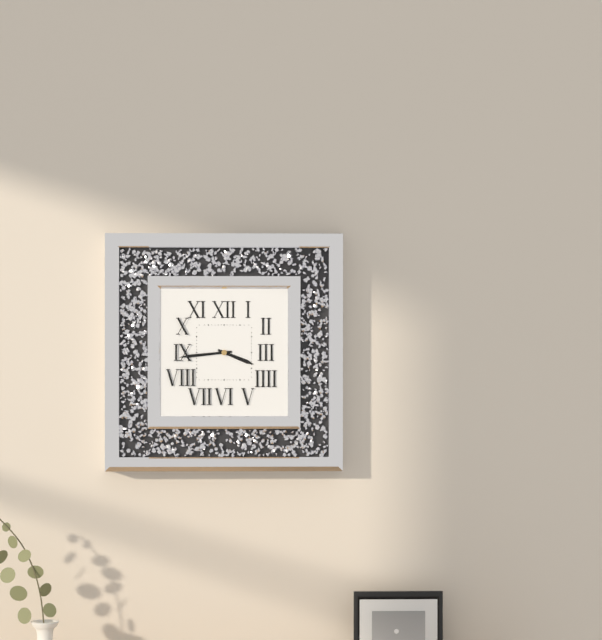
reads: 3,44
